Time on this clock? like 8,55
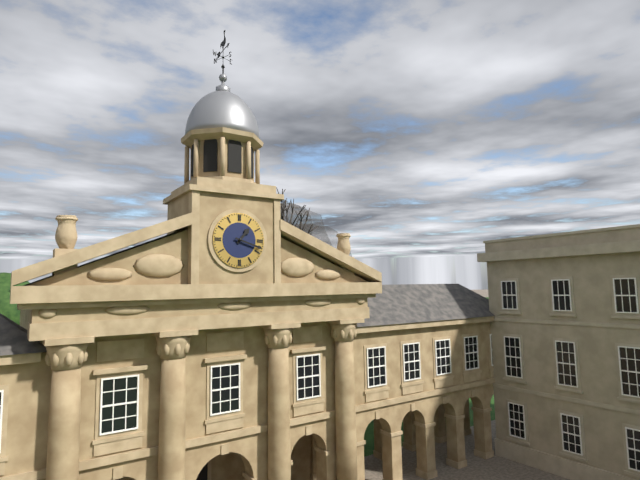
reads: 1,18
